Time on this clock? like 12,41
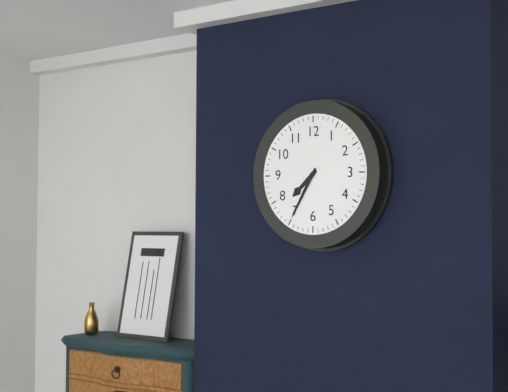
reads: 7,35
